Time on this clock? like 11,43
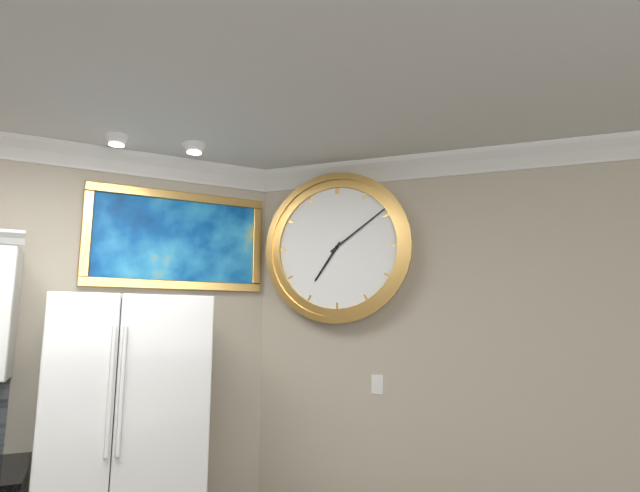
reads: 7,09
